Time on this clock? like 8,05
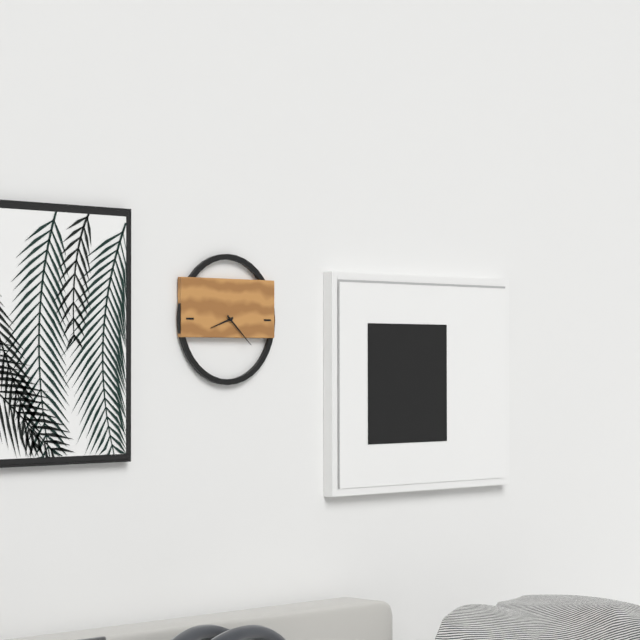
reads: 8,22
